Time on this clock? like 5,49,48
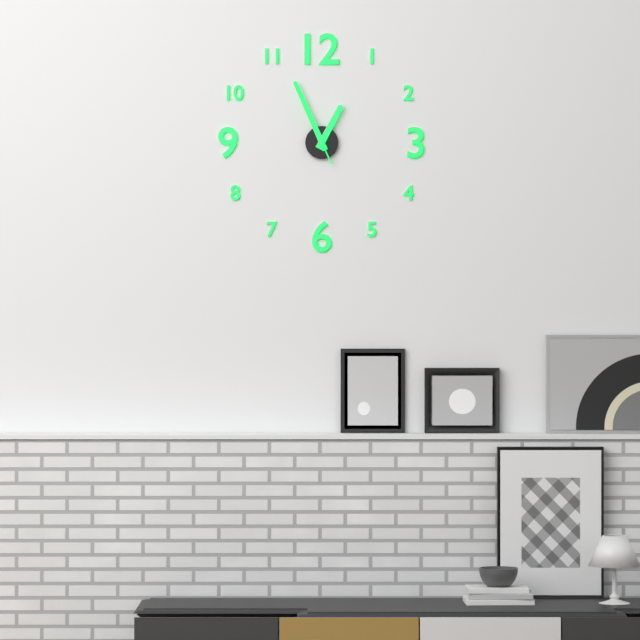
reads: 12,56,56
